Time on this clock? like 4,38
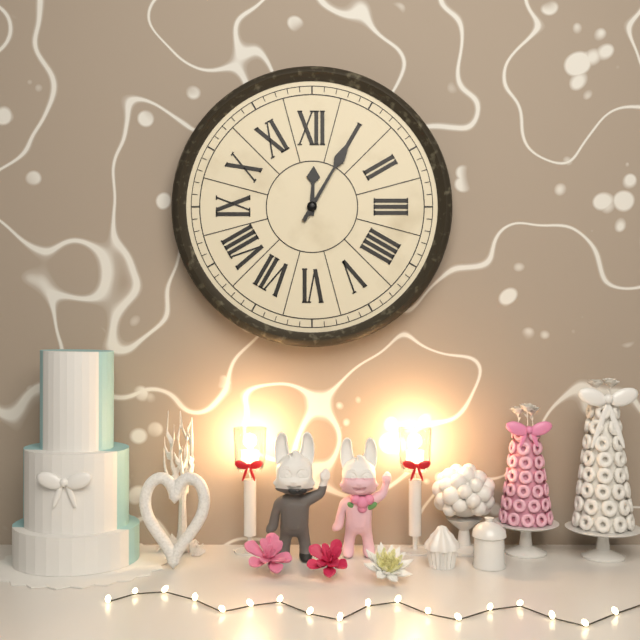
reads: 12,05
